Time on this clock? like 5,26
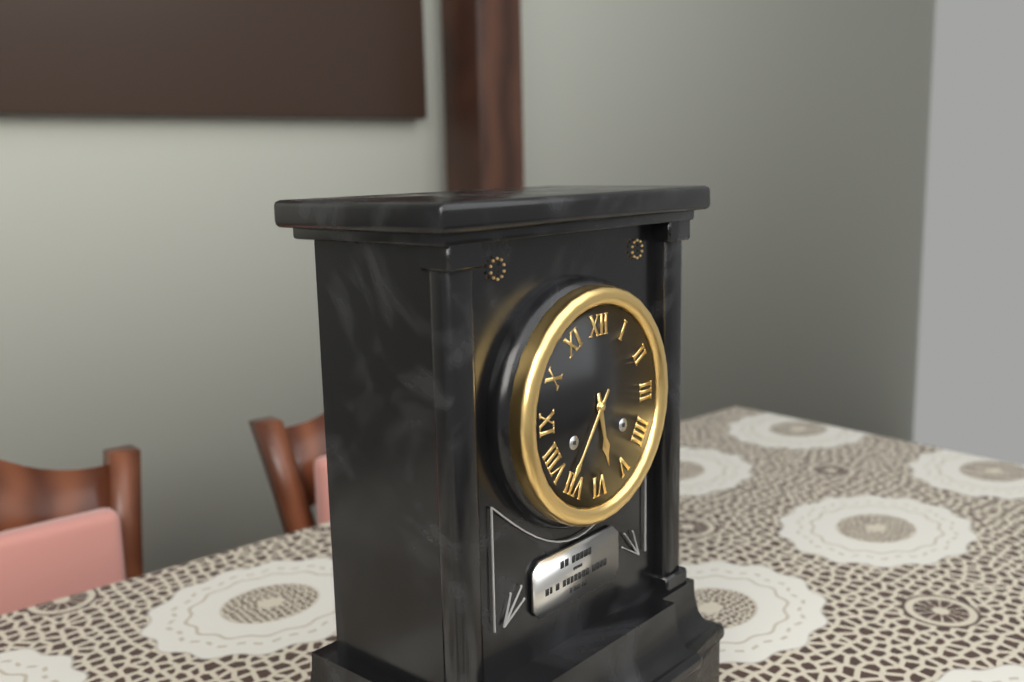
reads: 5,36
